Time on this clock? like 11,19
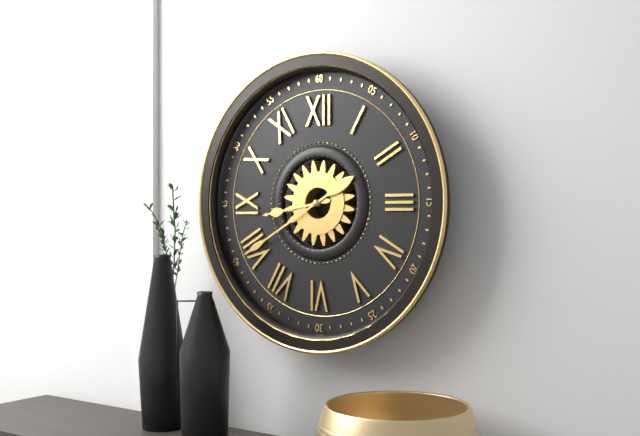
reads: 8,40
